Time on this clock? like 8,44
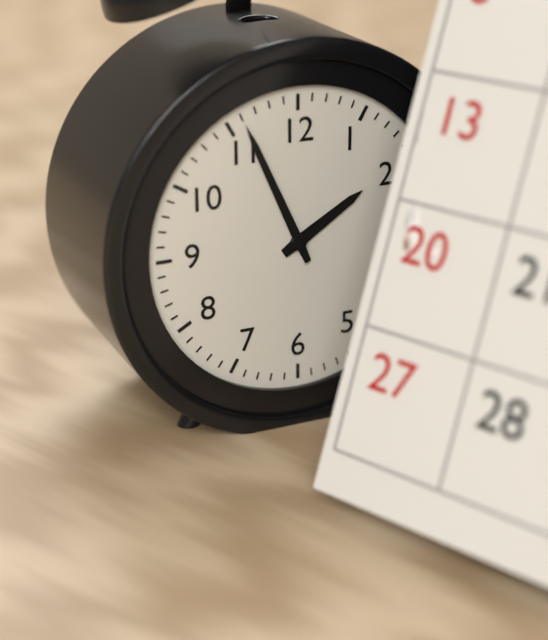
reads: 1,56
